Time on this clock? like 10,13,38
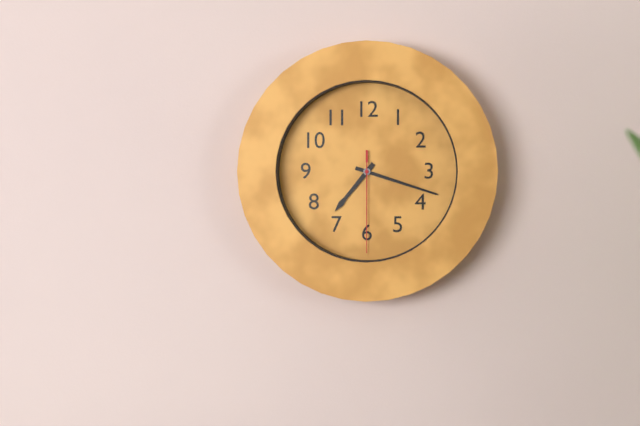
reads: 7,18,30
